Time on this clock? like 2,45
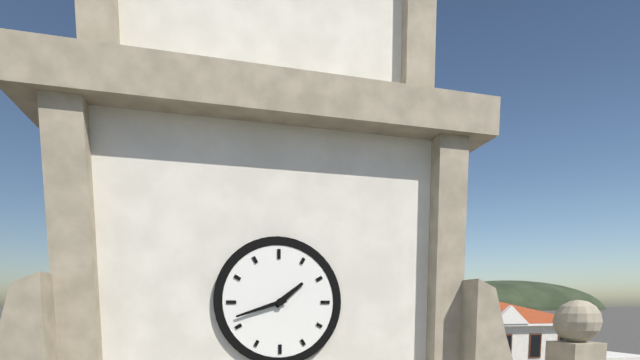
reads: 1,42
